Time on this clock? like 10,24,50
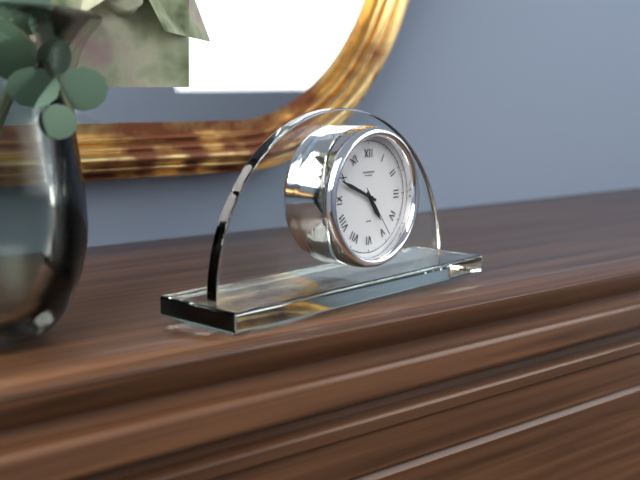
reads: 4,49,24
